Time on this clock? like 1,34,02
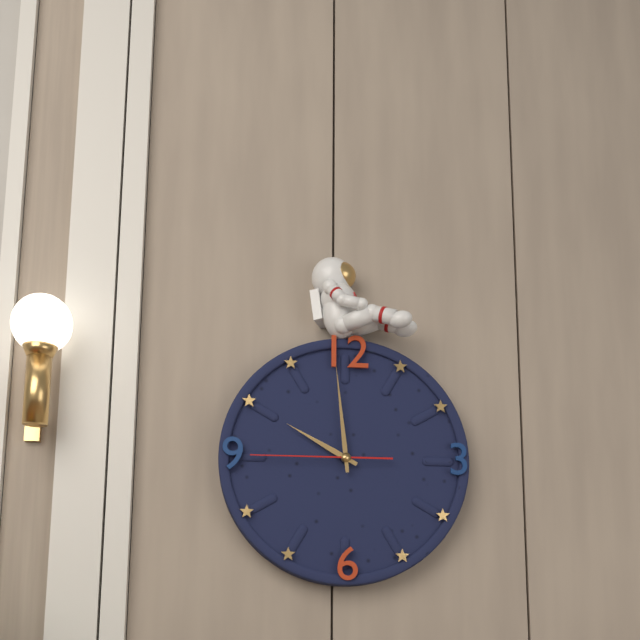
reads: 9,59,45
